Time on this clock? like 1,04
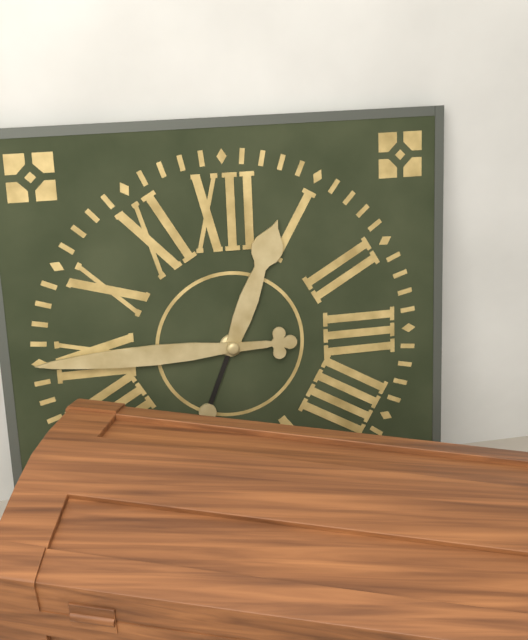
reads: 12,45
